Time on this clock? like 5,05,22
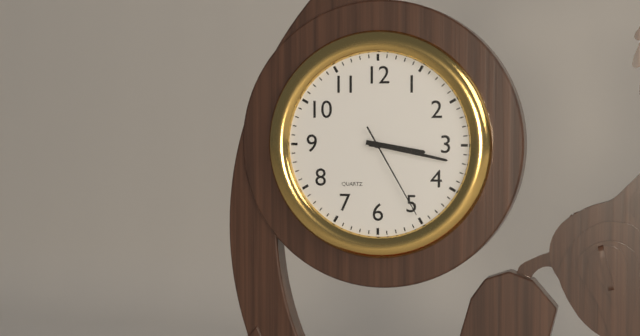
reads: 3,17,25
